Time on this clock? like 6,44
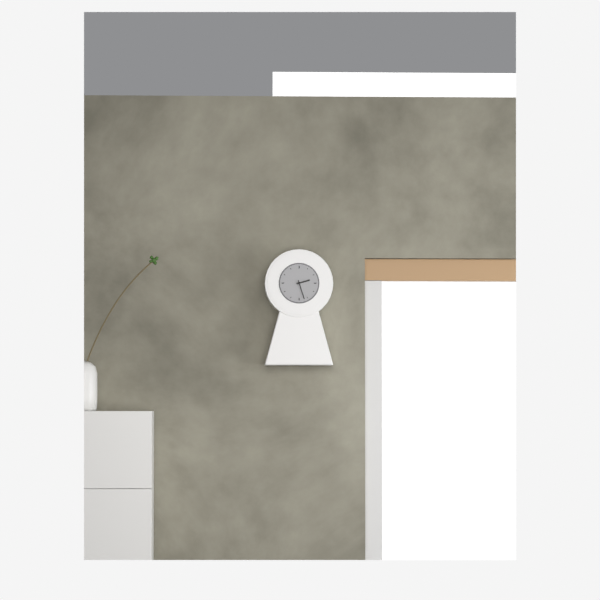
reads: 2,27
